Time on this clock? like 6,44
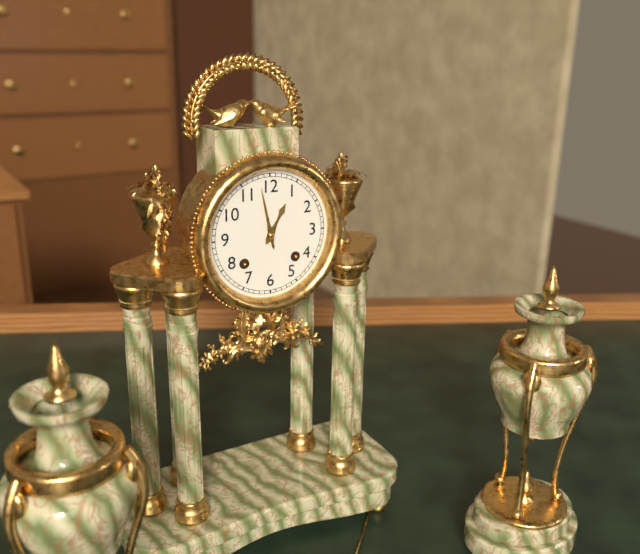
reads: 12,58
